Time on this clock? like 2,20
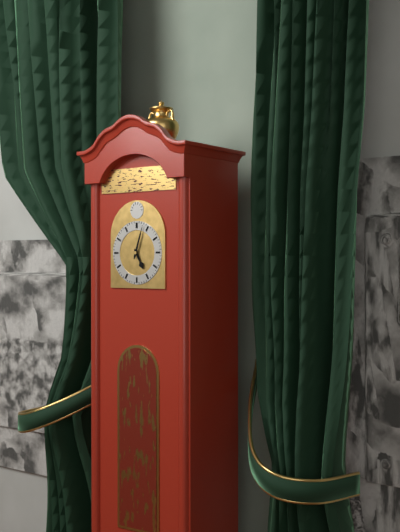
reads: 5,03
